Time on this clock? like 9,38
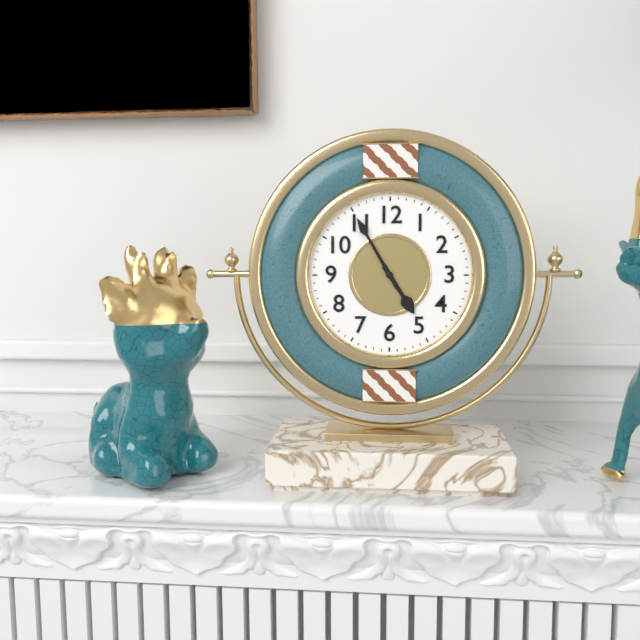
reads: 4,55
